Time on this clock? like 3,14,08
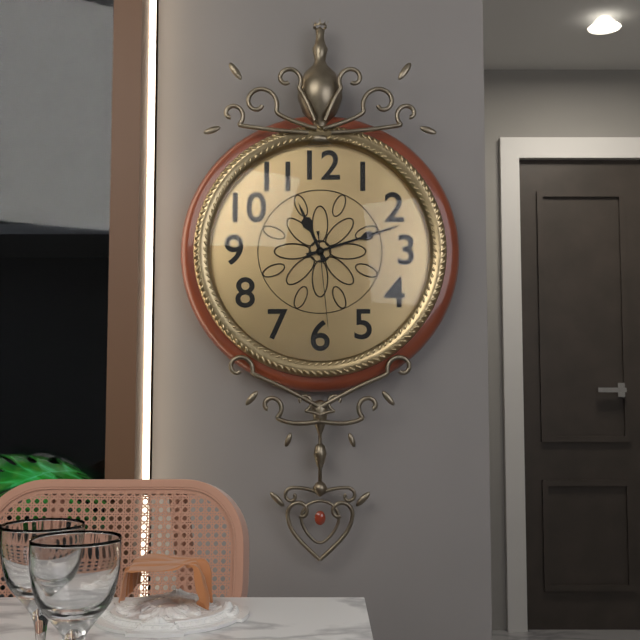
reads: 11,12,29
